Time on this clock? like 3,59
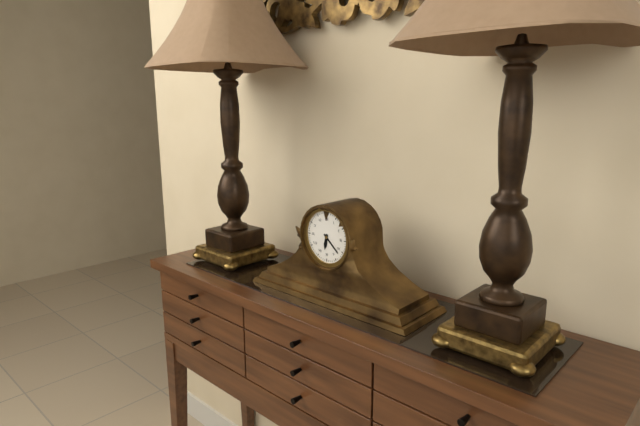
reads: 6,22
